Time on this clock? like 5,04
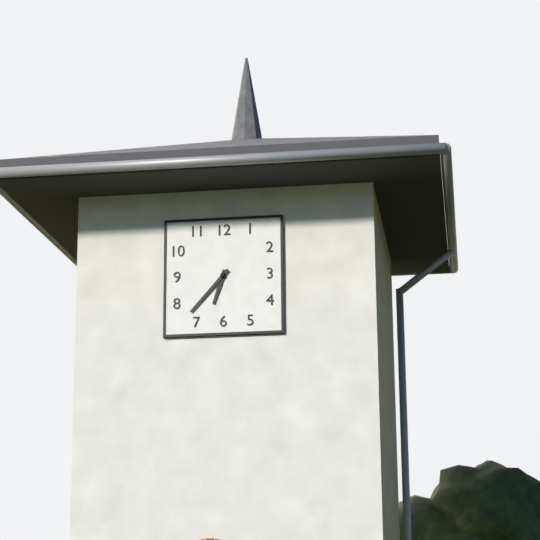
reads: 6,37
